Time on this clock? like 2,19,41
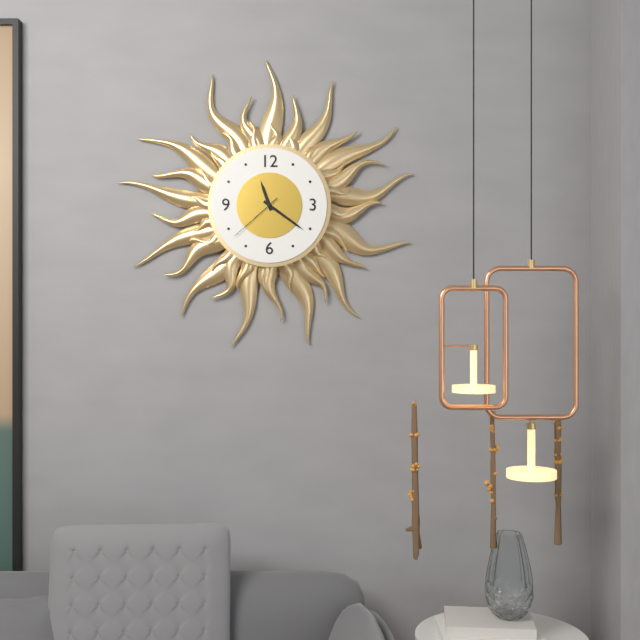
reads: 11,21,38
